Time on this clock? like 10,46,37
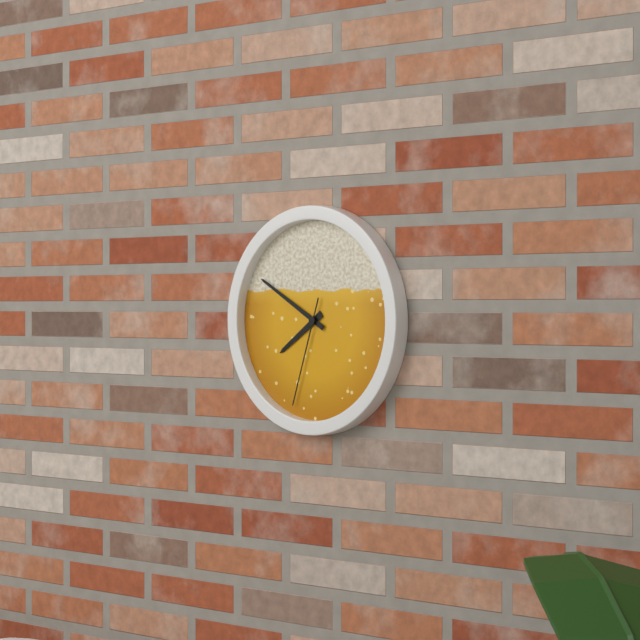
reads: 7,50,33
